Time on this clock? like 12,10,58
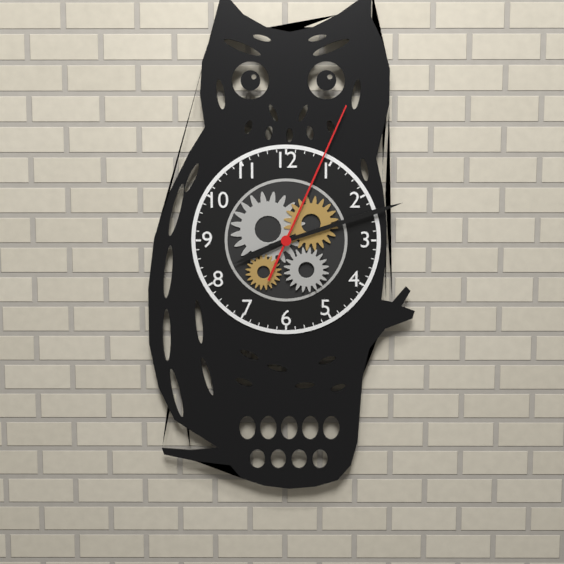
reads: 8,12,04
